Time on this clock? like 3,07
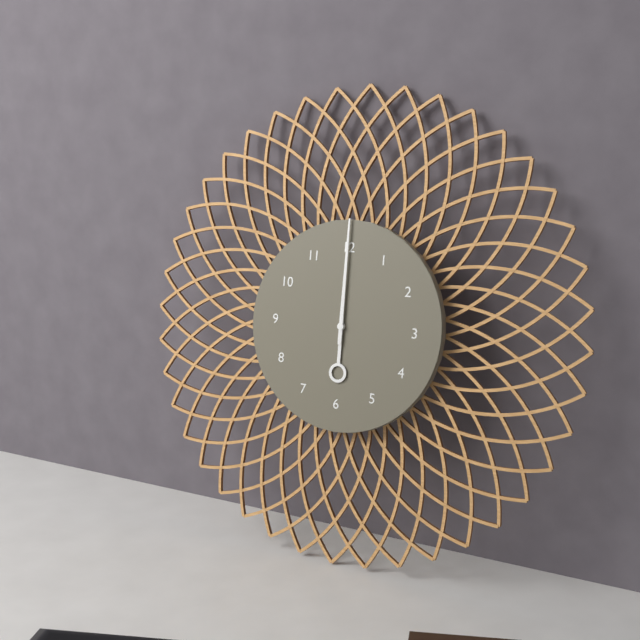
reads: 6,00
